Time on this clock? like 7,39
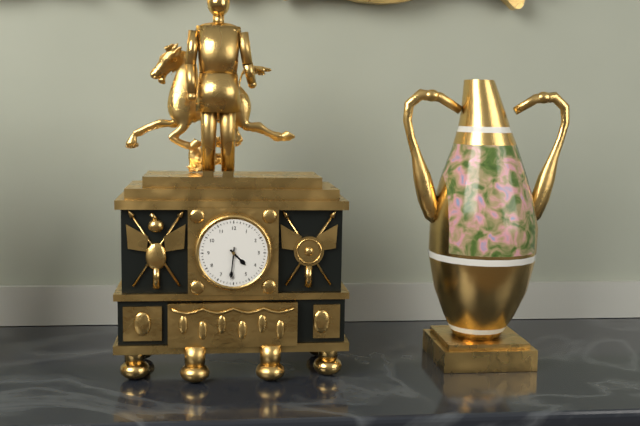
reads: 4,31
